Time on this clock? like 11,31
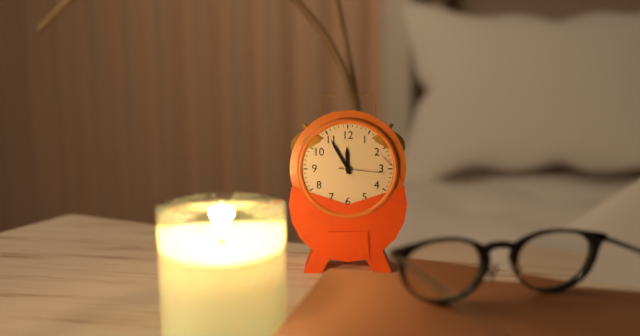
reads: 11,55
